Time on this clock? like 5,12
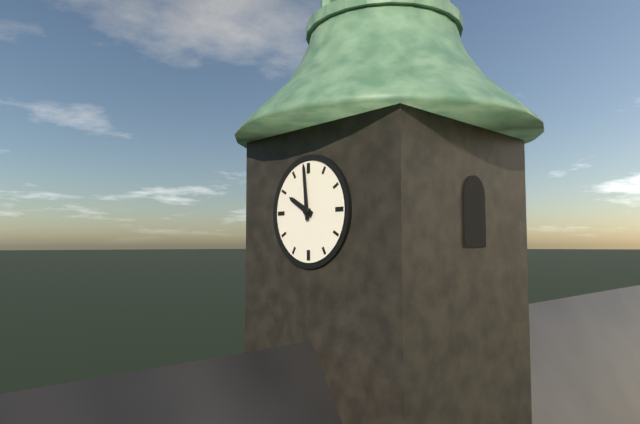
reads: 9,59
